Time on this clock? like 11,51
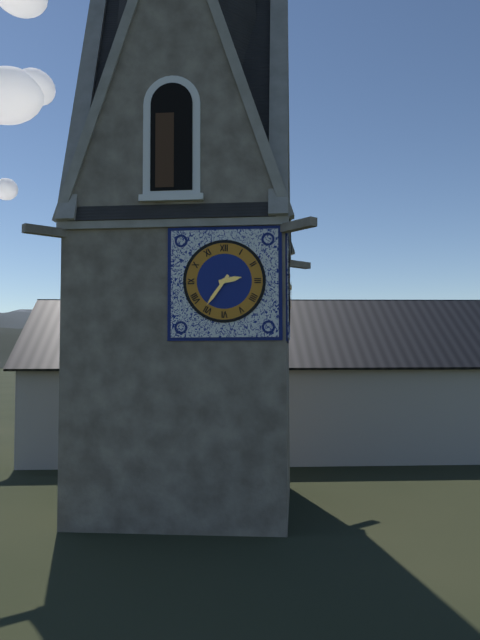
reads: 2,36
